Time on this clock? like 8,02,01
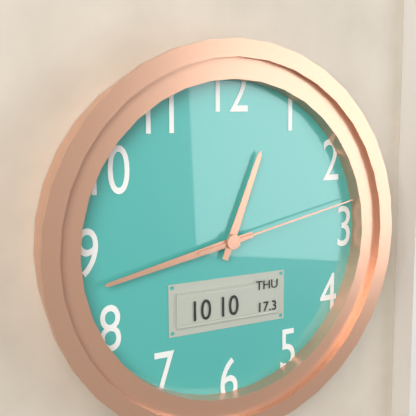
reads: 12,43,13
